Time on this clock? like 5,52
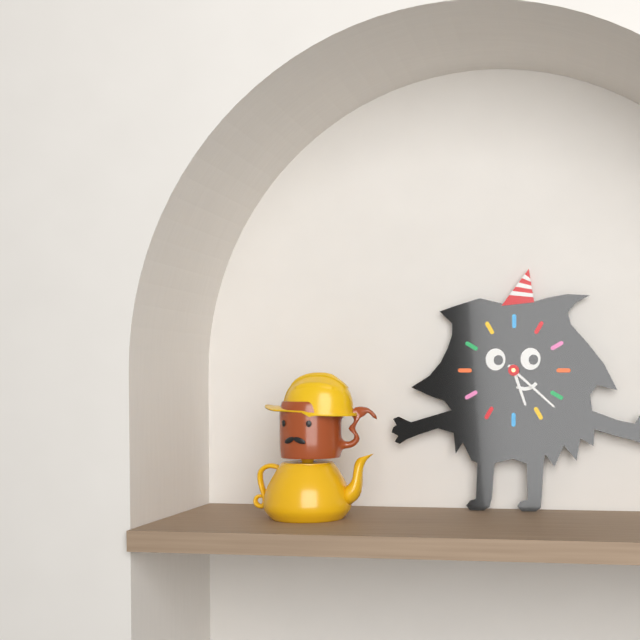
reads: 5,22
